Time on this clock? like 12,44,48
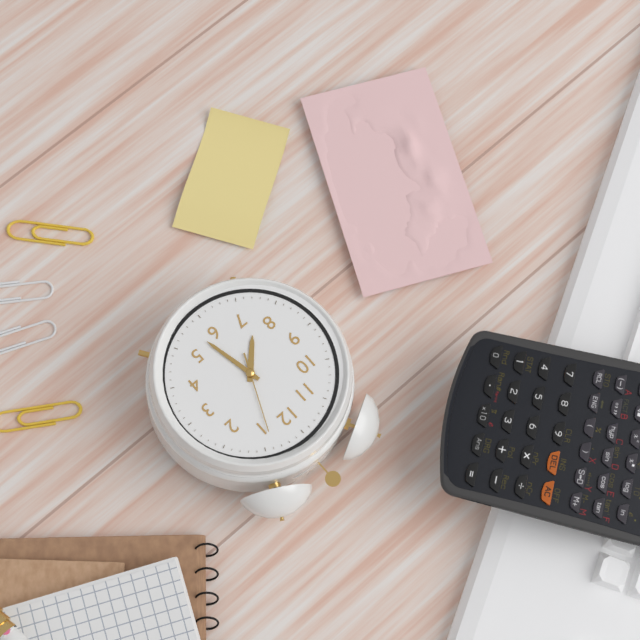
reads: 7,28,04
